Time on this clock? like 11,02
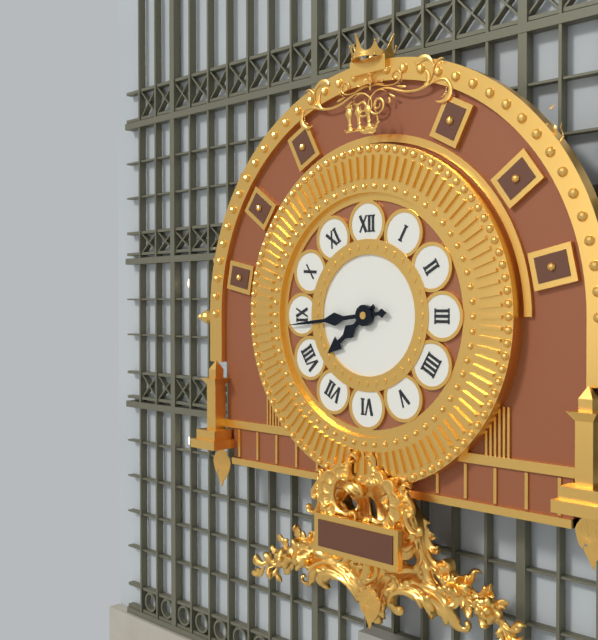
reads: 7,44
